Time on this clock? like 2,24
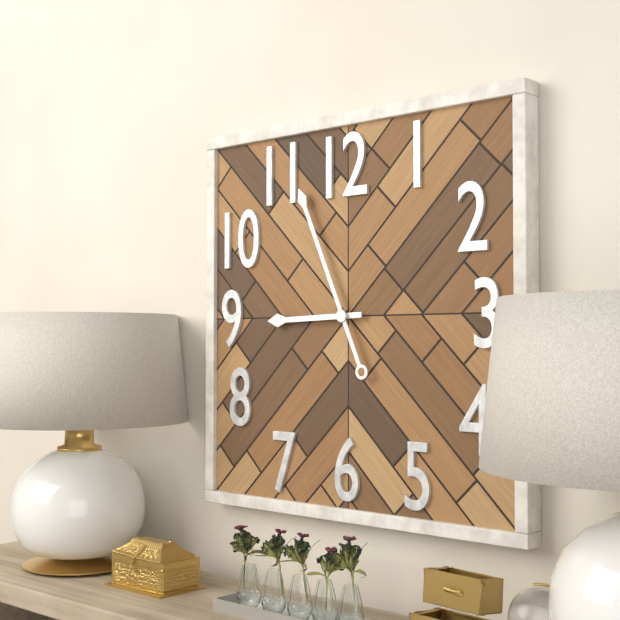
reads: 8,56
